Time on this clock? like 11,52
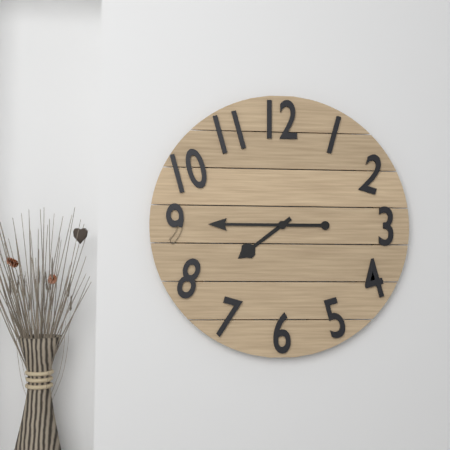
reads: 7,45
